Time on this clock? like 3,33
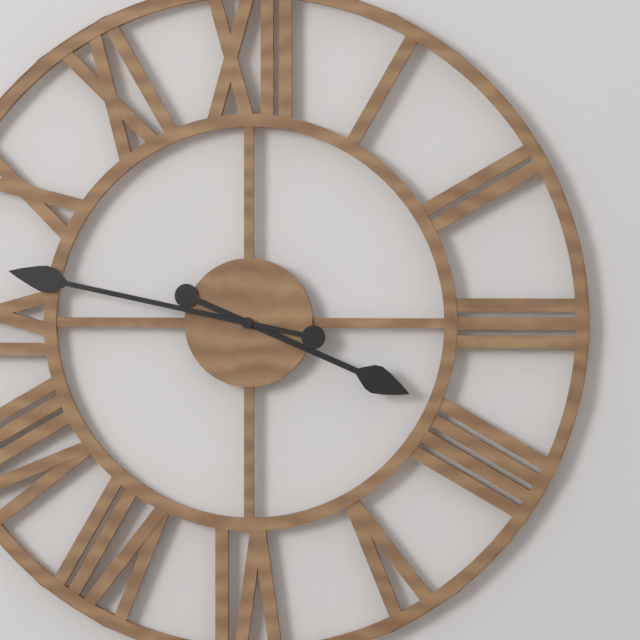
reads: 3,47
